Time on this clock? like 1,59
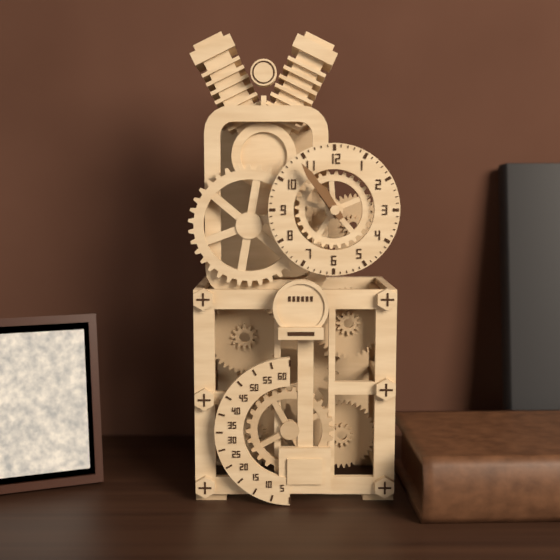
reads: 10,54
